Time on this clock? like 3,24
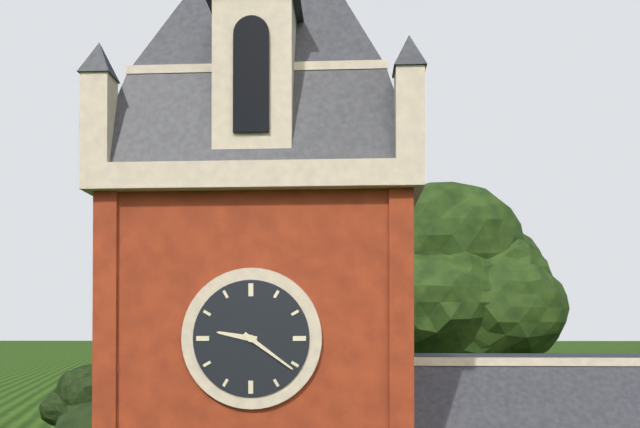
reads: 9,21
